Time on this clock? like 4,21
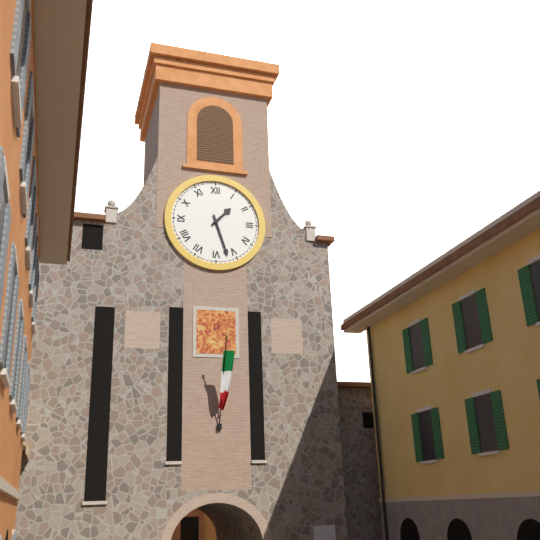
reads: 1,27
